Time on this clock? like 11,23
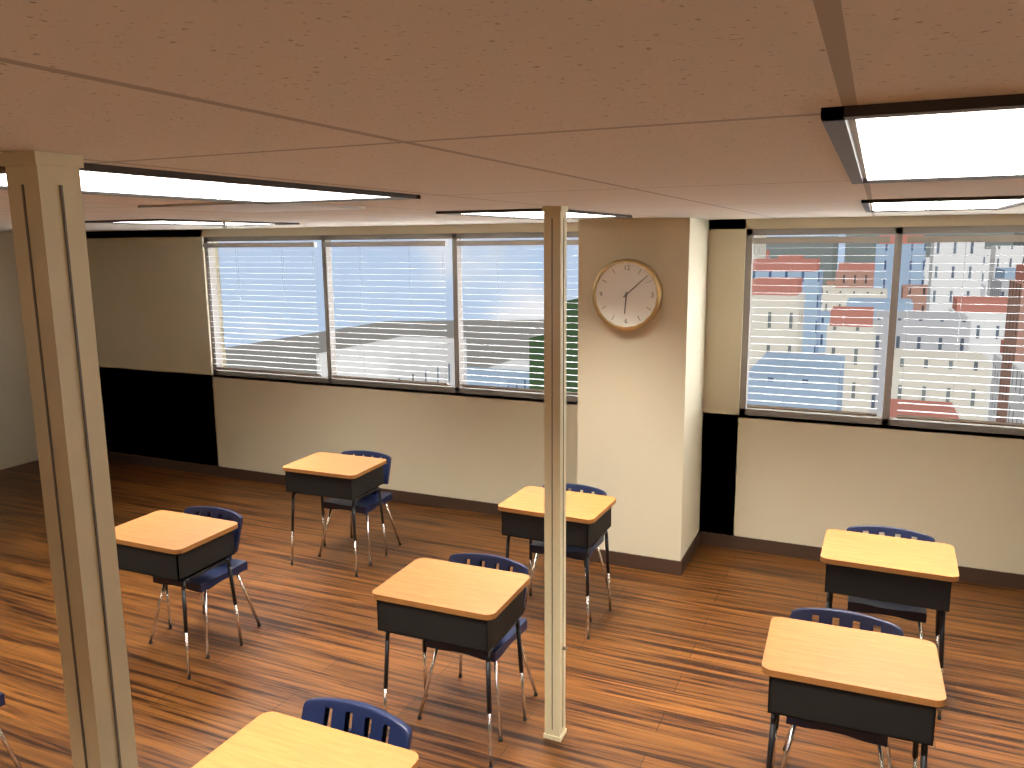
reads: 6,08
